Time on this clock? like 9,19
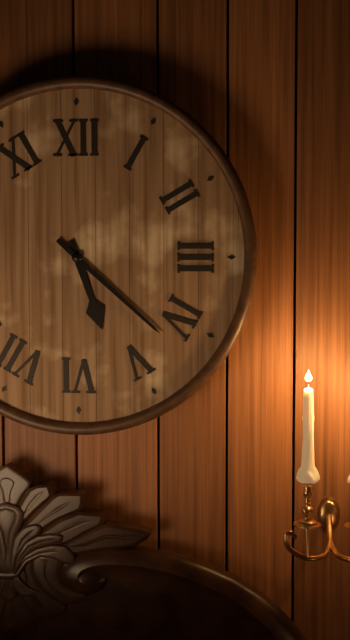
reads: 5,22
